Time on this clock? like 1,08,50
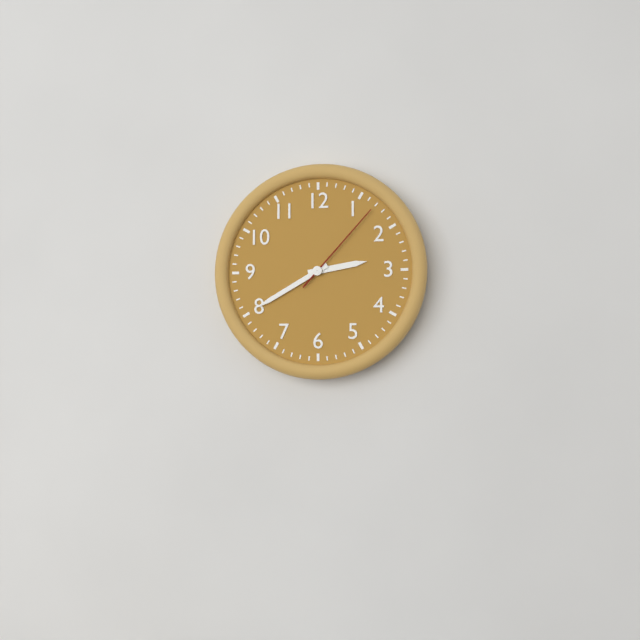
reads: 2,40,07
